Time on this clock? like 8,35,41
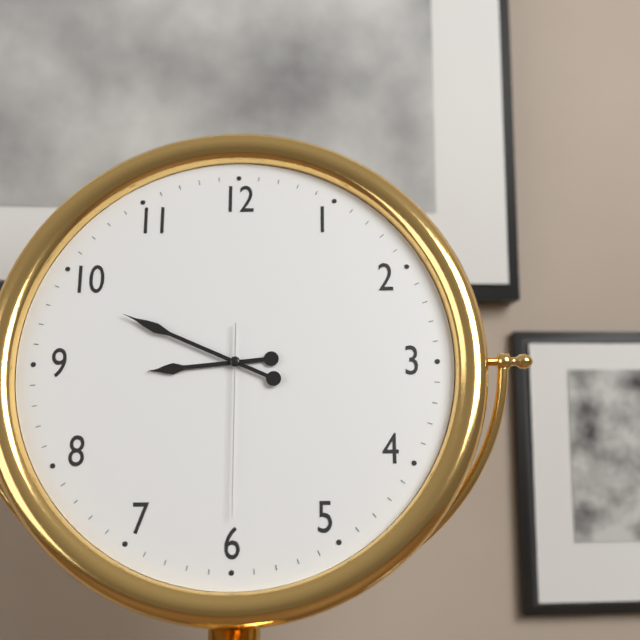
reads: 8,49,30
